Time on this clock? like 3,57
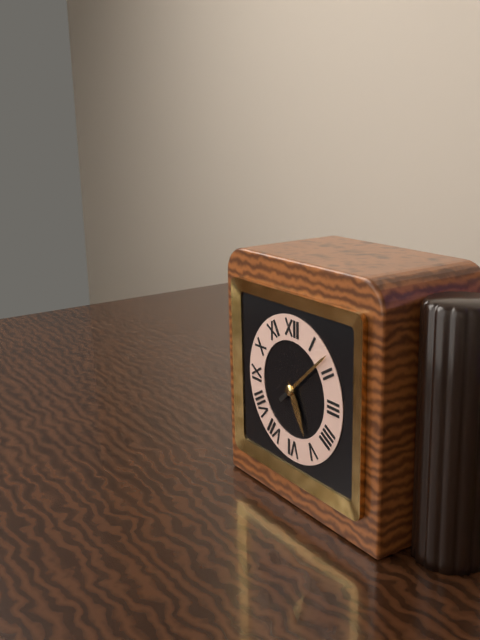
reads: 5,08
